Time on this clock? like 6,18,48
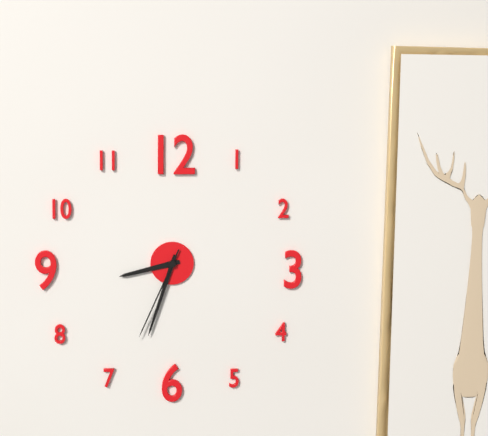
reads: 8,33,34
